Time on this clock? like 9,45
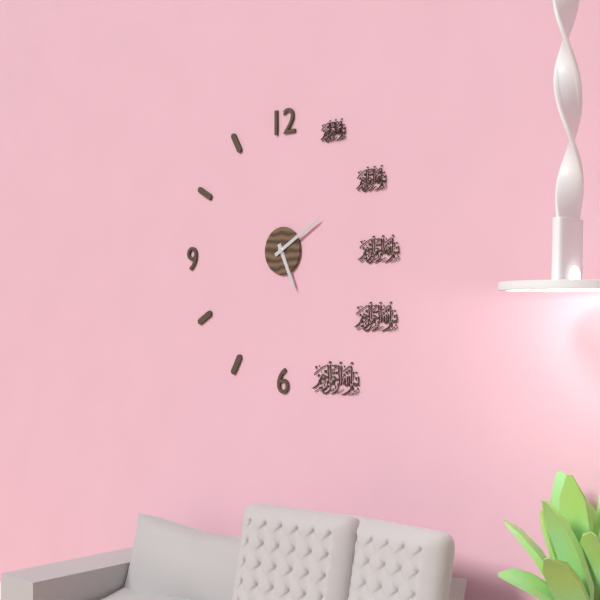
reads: 5,10
